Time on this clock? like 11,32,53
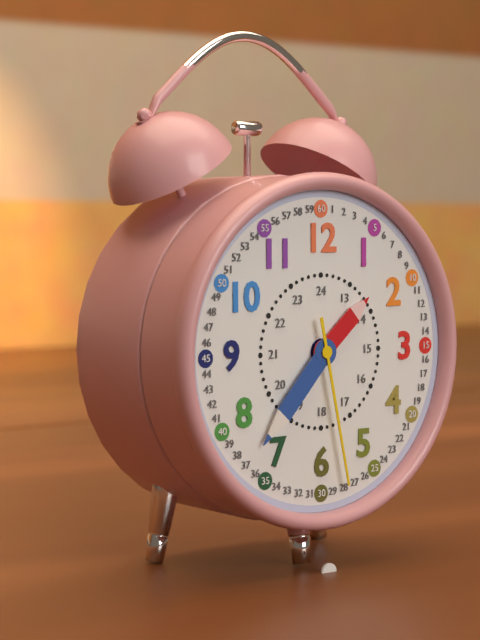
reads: 1,37,28
